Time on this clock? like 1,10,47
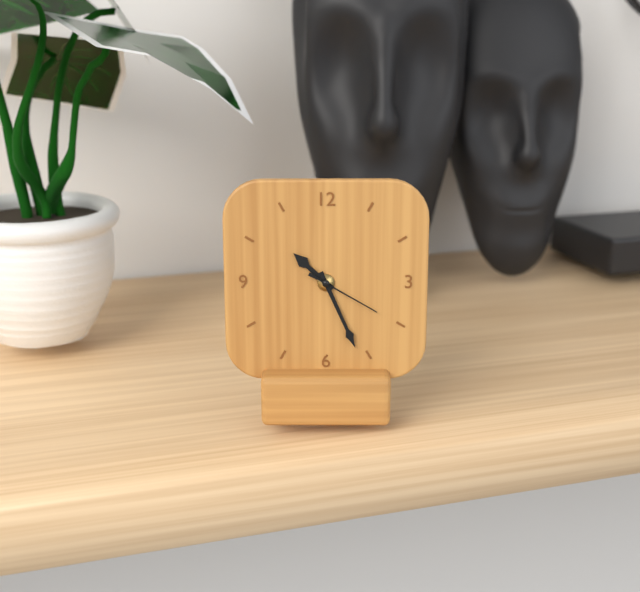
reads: 10,26,20
